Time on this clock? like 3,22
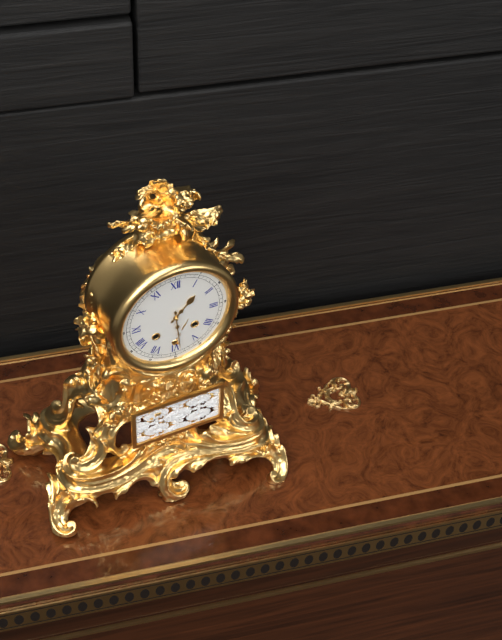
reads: 1,29
